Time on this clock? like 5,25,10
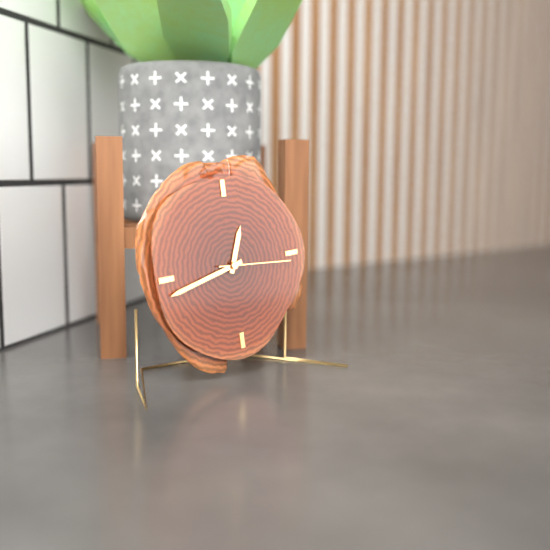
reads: 12,43,16
